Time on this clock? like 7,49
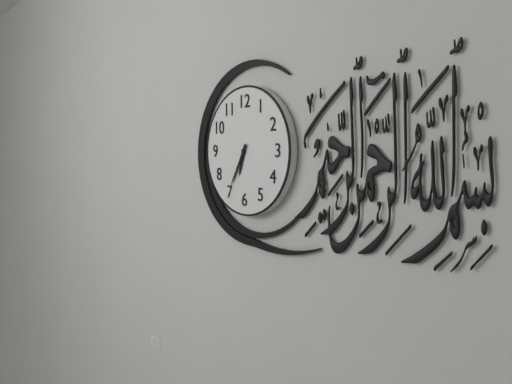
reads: 6,35
